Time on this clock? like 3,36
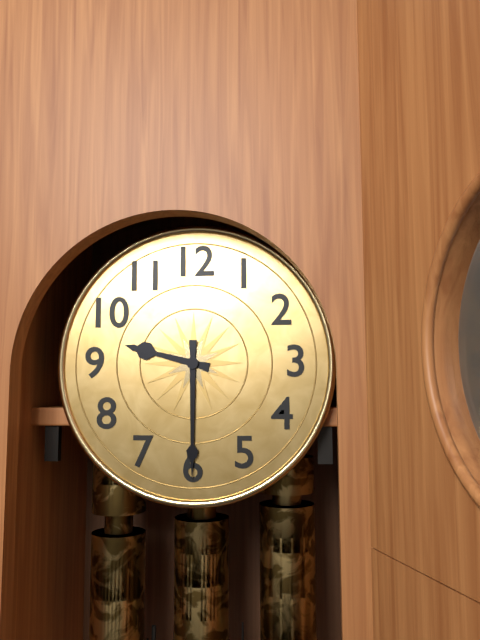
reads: 9,30
